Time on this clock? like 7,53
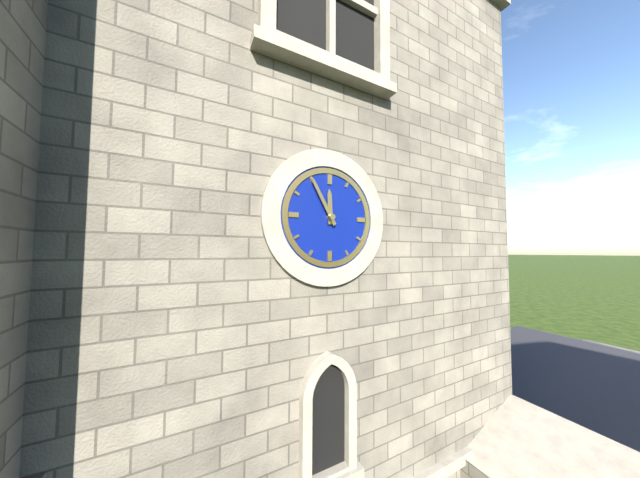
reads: 11,55
